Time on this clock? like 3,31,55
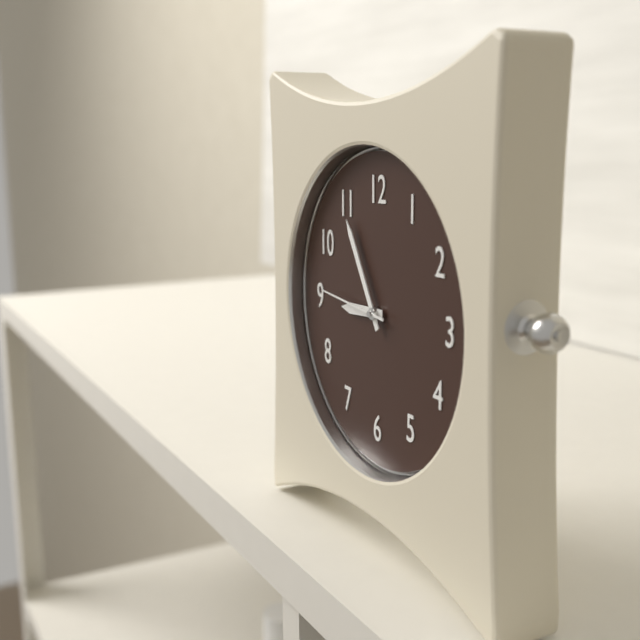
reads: 8,55,46
